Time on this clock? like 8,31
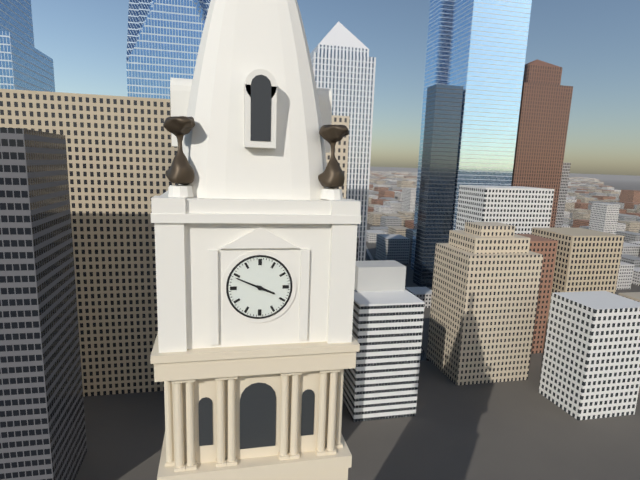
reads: 3,49
